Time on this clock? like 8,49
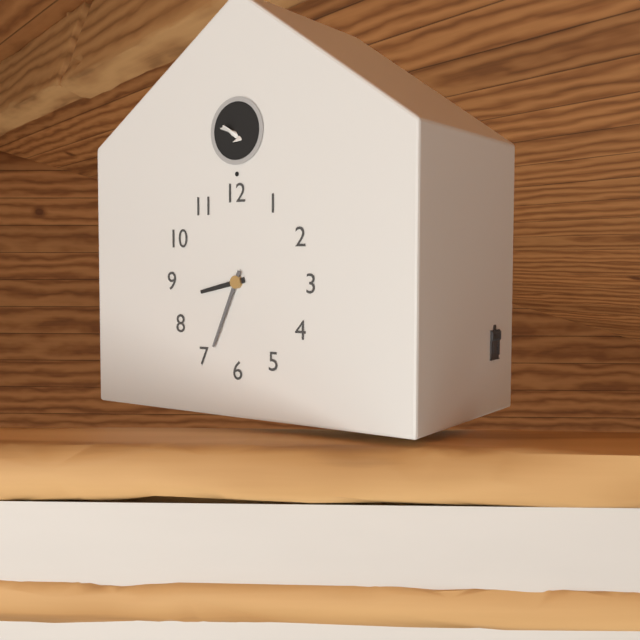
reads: 8,34
